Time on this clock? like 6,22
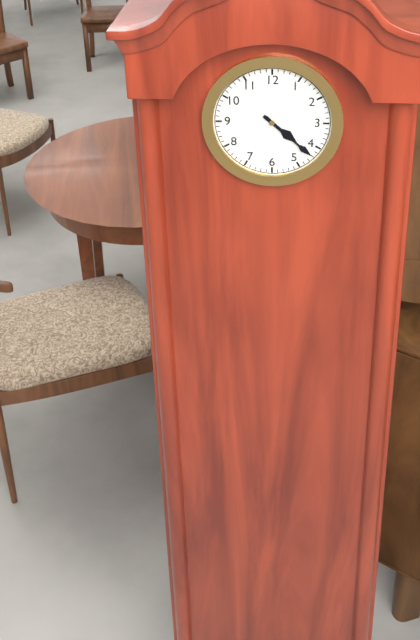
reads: 4,22
